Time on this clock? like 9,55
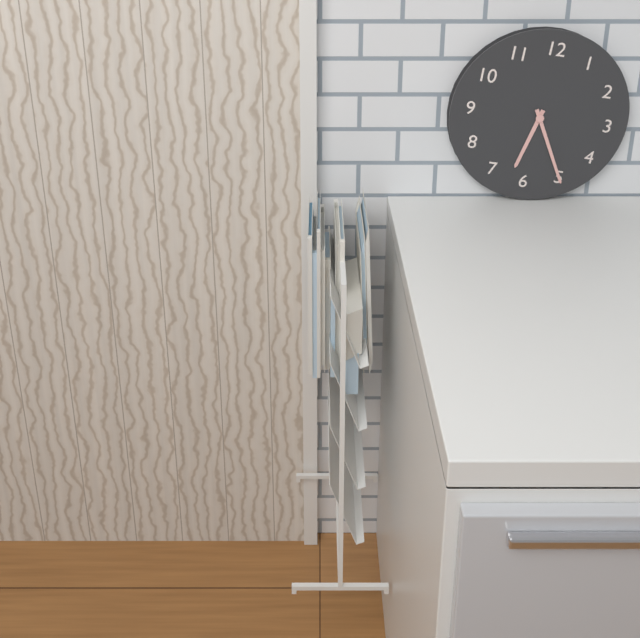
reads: 6,25
